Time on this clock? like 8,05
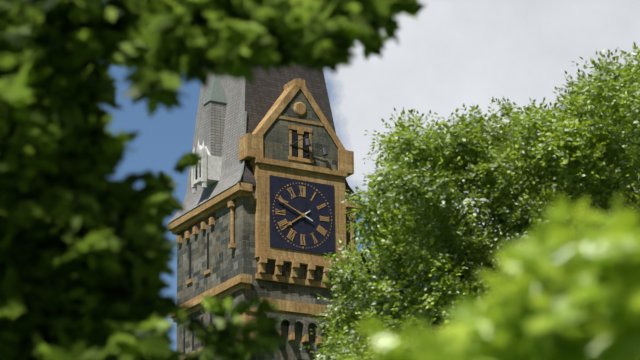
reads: 7,49
